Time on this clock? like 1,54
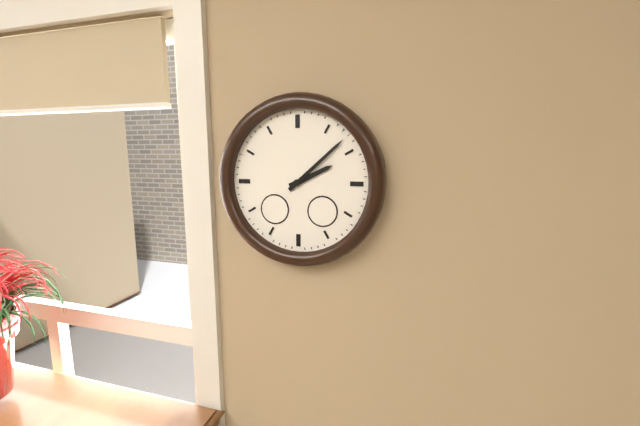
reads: 2,08
